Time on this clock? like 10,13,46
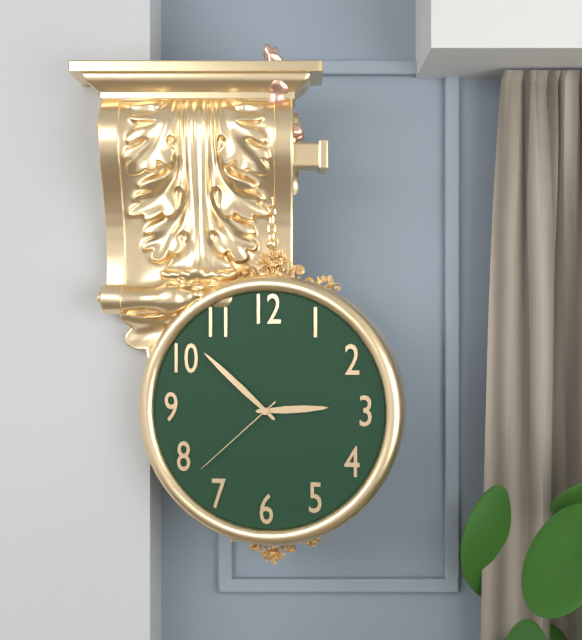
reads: 2,52,38
